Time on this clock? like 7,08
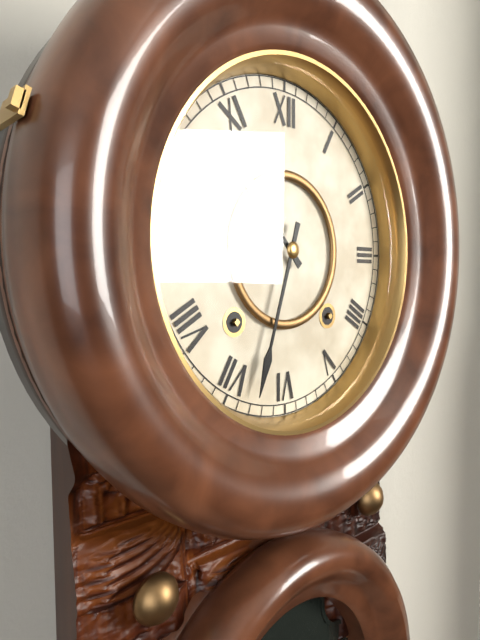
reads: 10,33
